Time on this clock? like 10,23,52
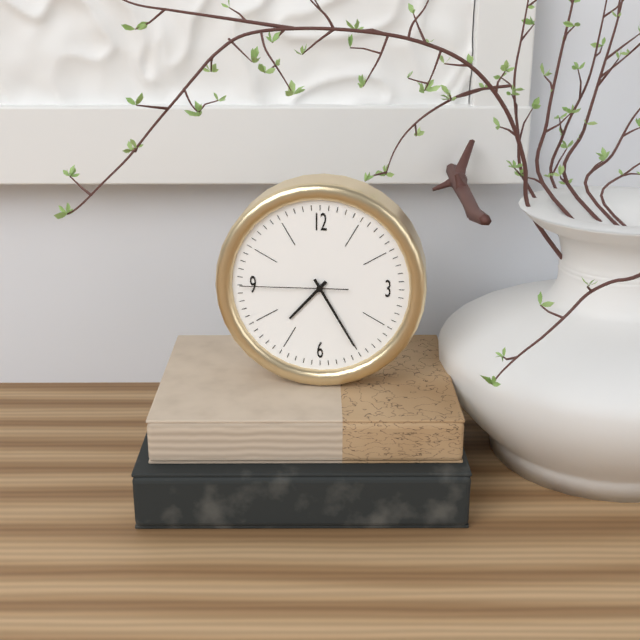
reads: 7,25,45
